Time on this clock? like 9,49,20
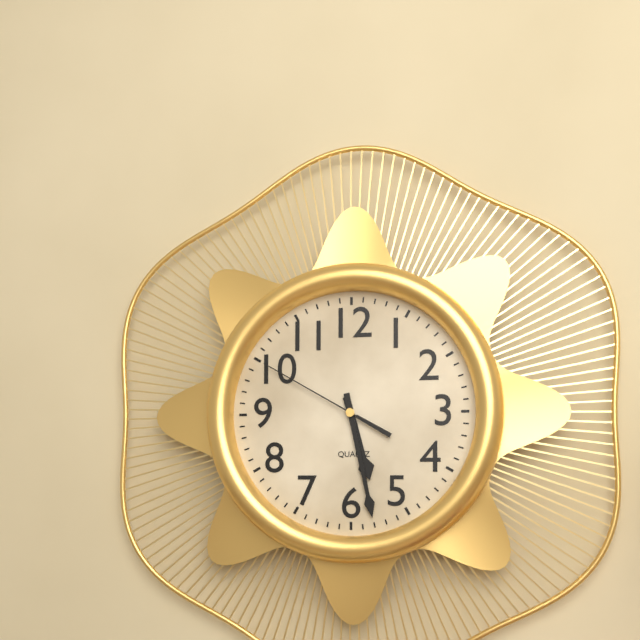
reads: 5,28,50
